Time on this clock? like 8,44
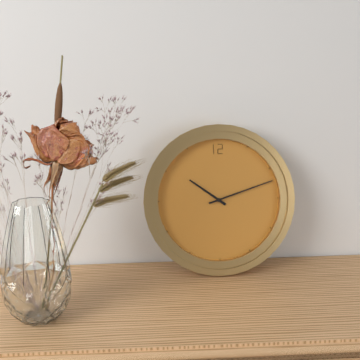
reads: 10,12
